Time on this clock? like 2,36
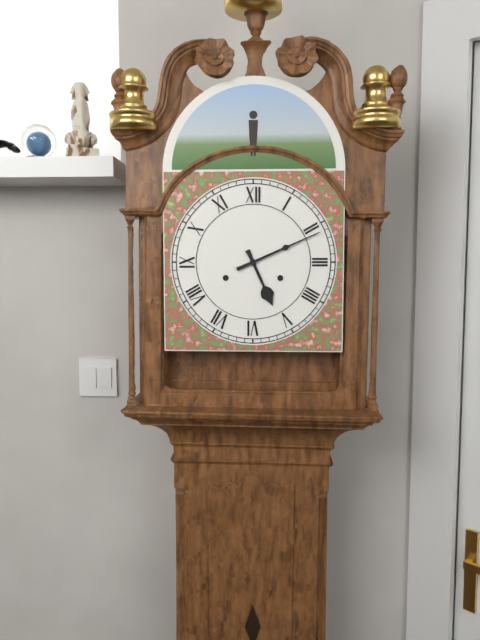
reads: 5,11
